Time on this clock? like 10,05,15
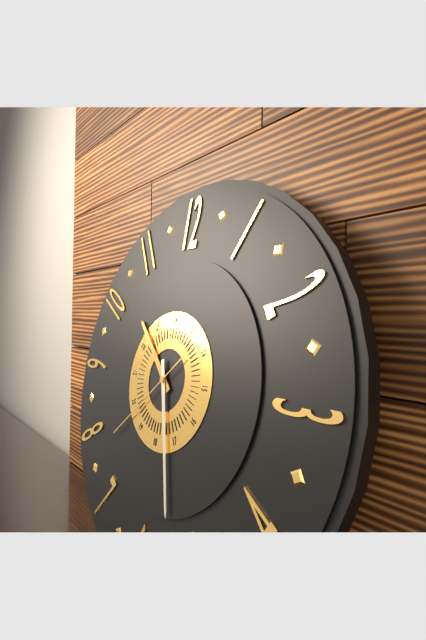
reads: 10,27,38
